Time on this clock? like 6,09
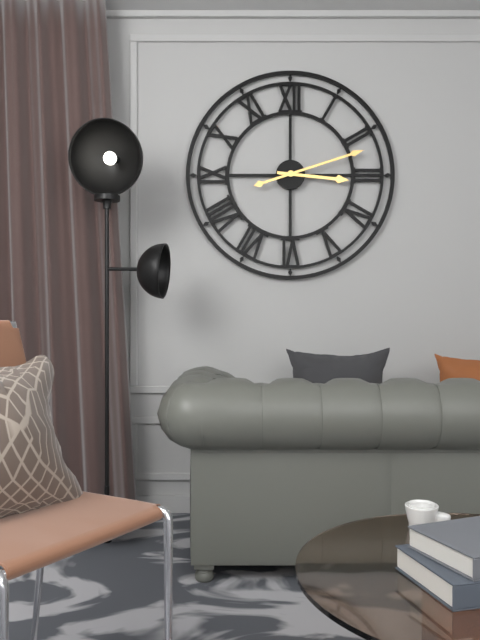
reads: 3,12
